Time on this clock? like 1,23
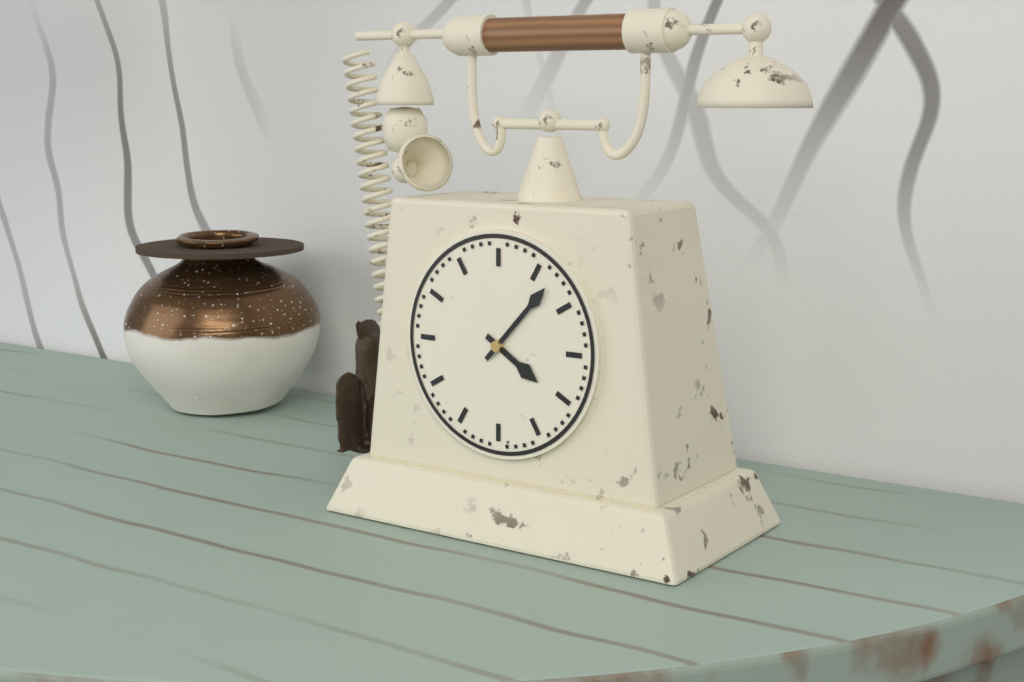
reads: 4,07
